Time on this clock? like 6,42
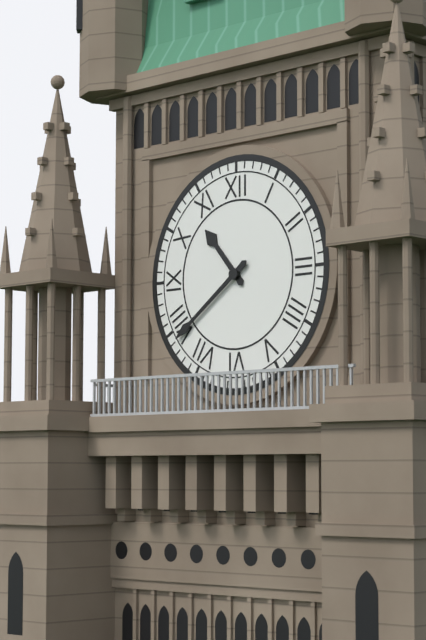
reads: 10,39
